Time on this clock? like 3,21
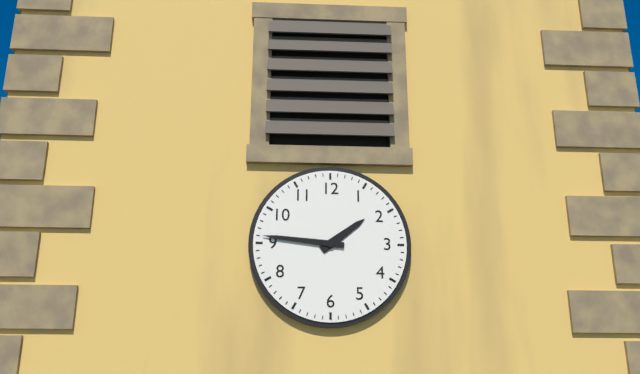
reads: 1,46
